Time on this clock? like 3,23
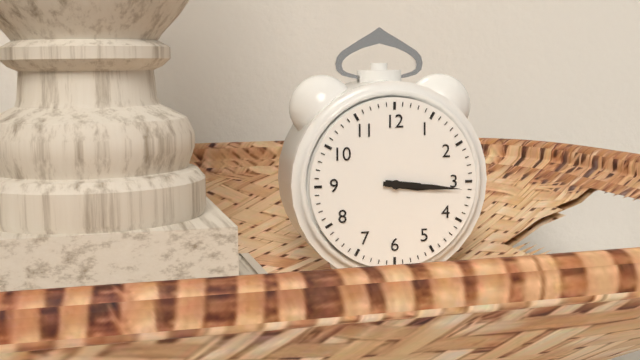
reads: 3,16
